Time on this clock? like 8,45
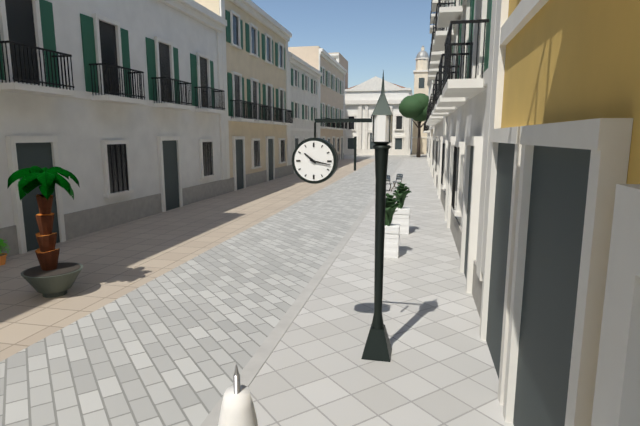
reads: 10,17
